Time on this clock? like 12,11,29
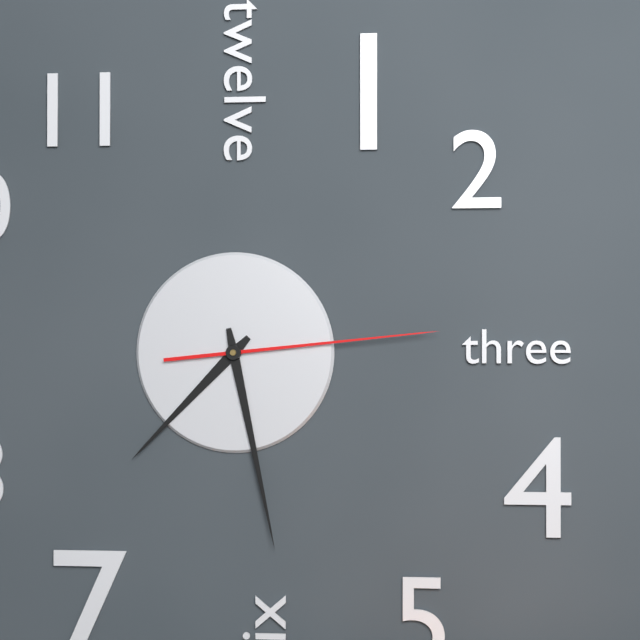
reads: 7,28,14
